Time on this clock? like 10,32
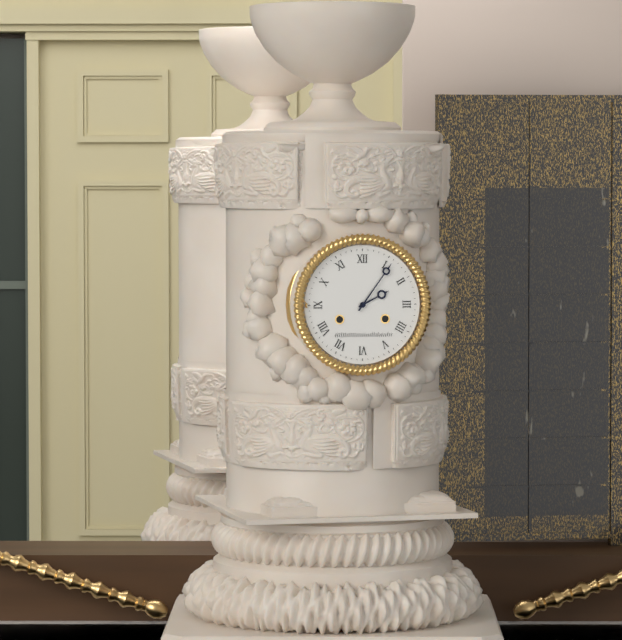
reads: 2,06
